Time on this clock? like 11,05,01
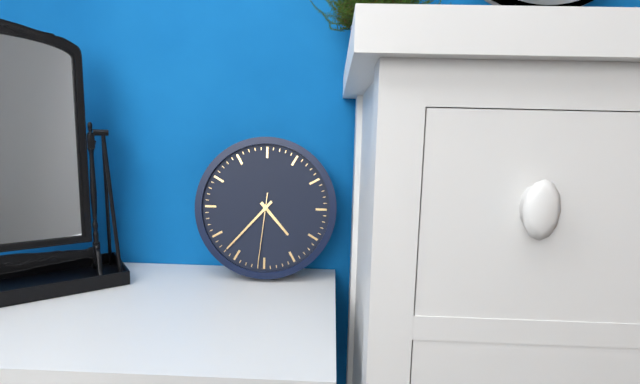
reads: 4,37,31
